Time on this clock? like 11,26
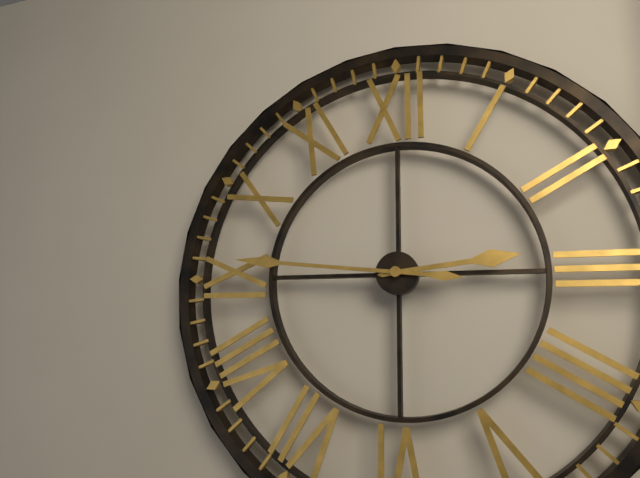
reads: 2,46
